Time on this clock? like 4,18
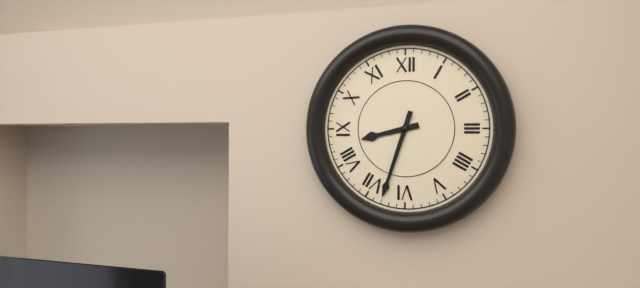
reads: 8,33
